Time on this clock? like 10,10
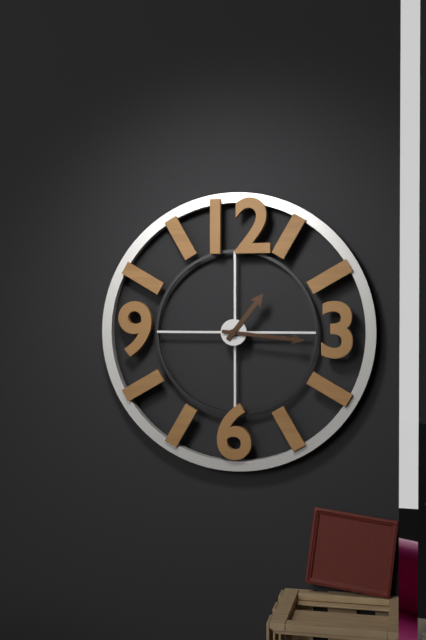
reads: 1,16
